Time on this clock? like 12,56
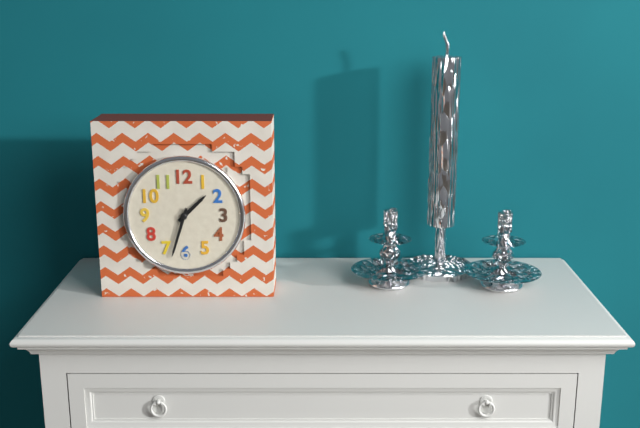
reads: 1,33
